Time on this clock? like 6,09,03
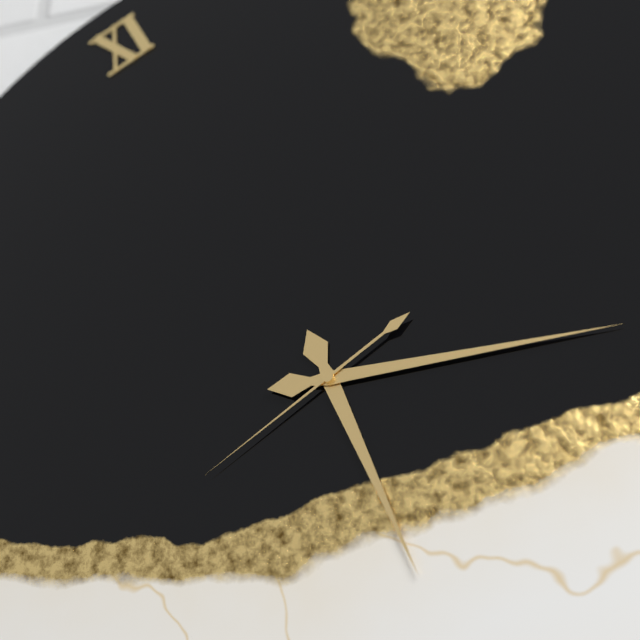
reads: 5,14,39
